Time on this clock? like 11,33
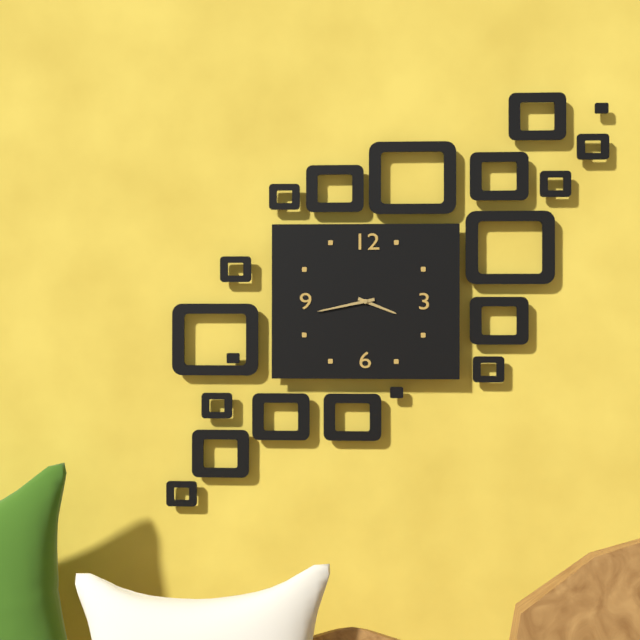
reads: 3,43
